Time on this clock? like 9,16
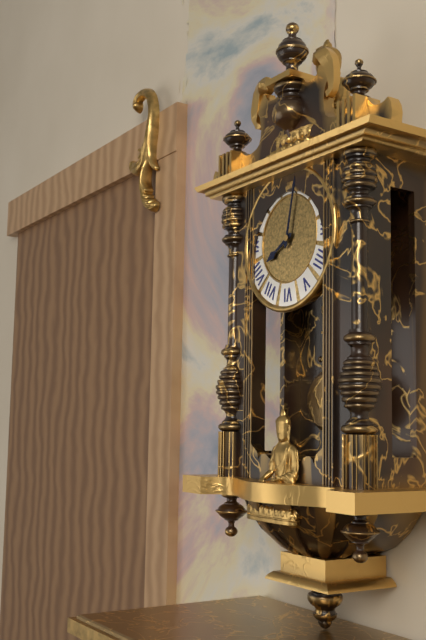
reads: 8,02
